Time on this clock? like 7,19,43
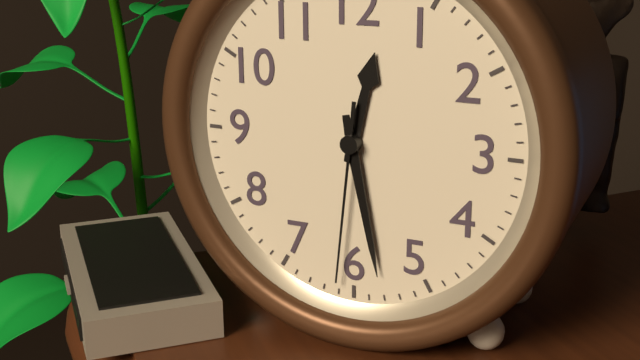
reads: 12,28,31
